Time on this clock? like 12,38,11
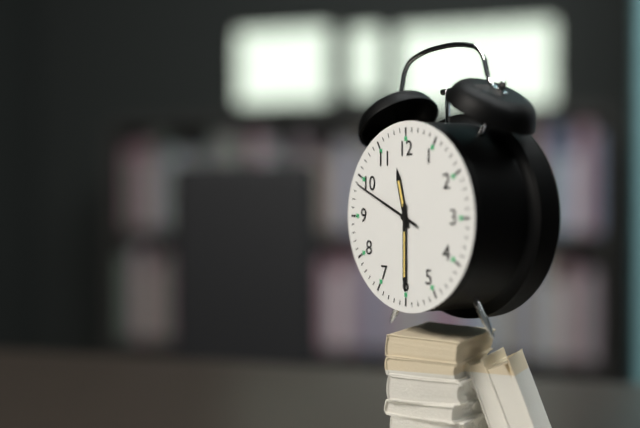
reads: 11,30,49
